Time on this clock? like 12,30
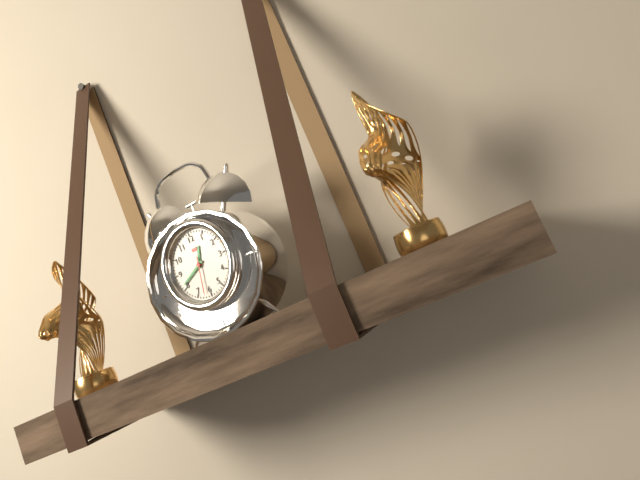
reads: 12,41
